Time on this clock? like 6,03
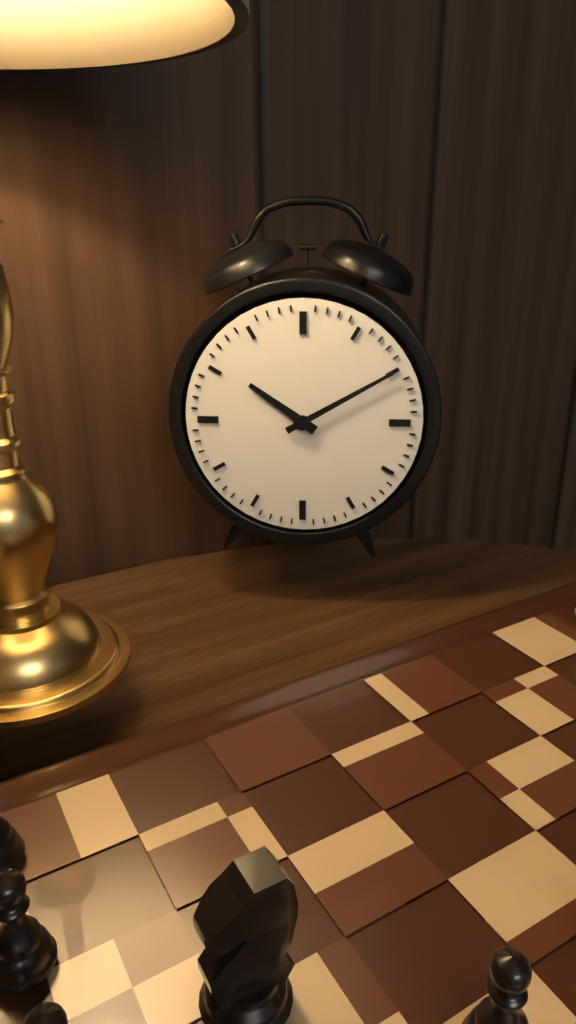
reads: 10,10
